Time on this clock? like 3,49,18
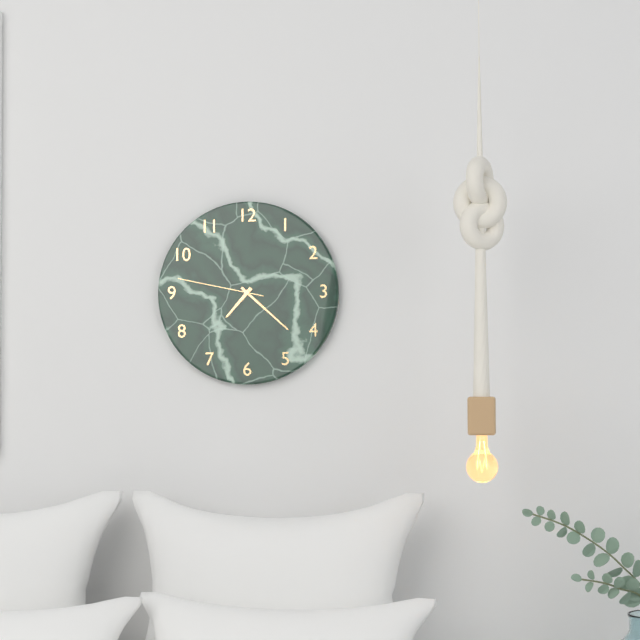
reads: 7,22,47
